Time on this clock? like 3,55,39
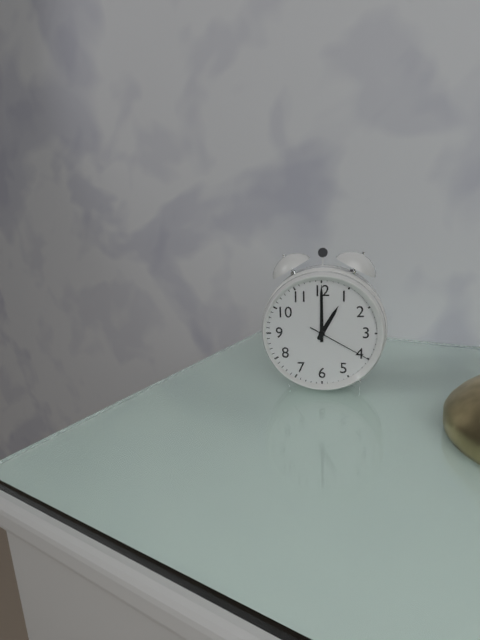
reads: 1,00,20
